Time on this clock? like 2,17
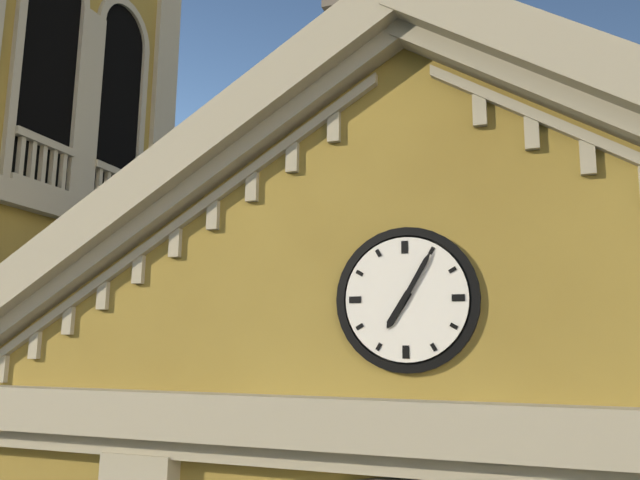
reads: 7,05
